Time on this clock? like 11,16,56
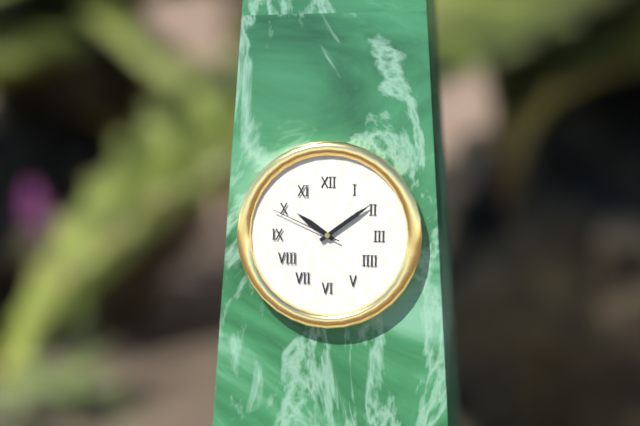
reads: 10,09,49
